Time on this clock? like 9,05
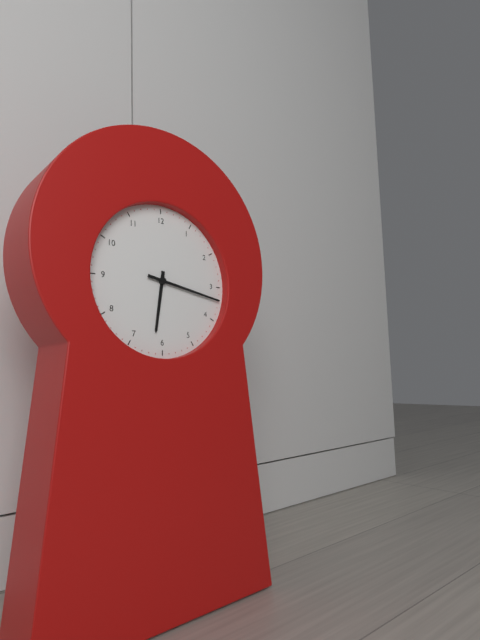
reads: 6,17
